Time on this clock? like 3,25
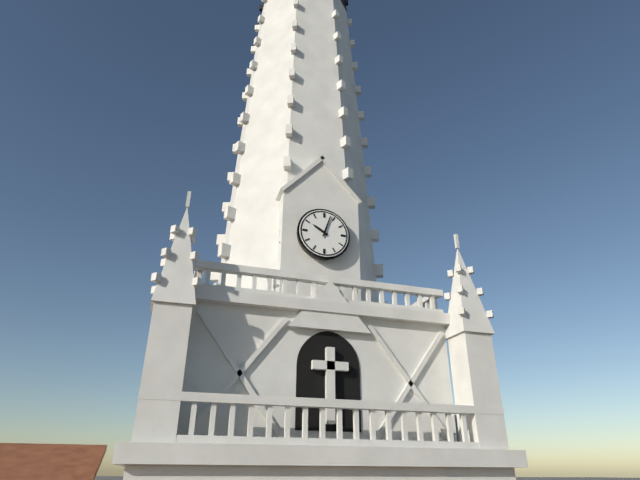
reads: 10,03
